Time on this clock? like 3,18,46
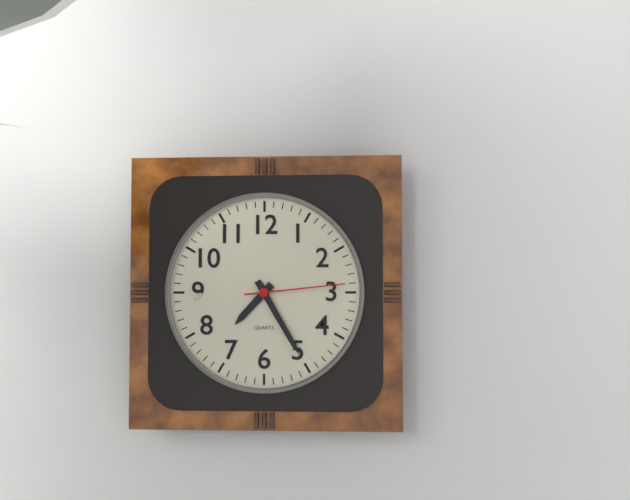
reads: 7,25,14
